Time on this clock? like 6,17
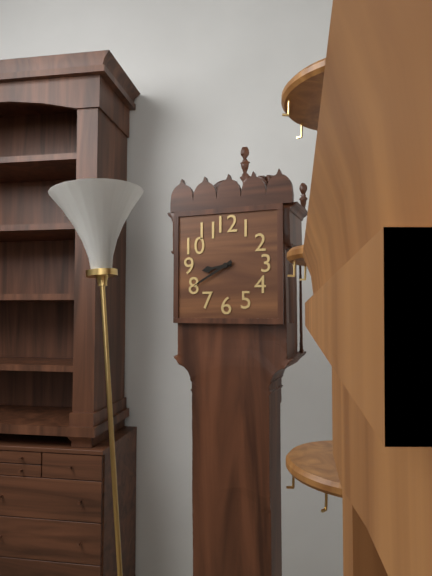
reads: 8,40
